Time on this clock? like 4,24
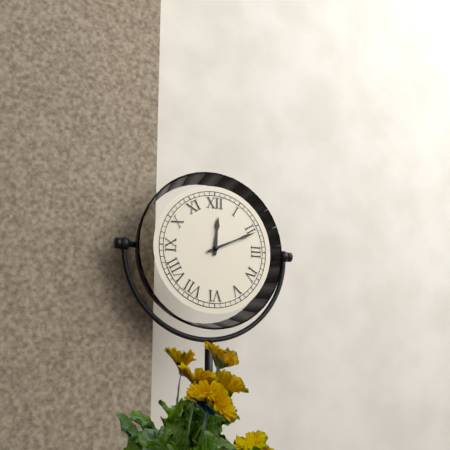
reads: 12,11
